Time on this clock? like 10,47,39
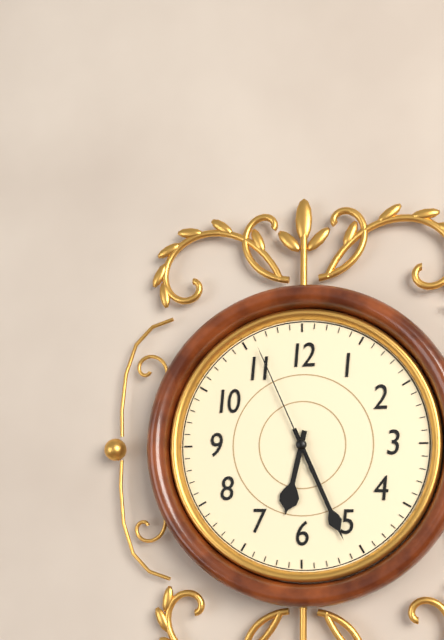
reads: 6,26,56
